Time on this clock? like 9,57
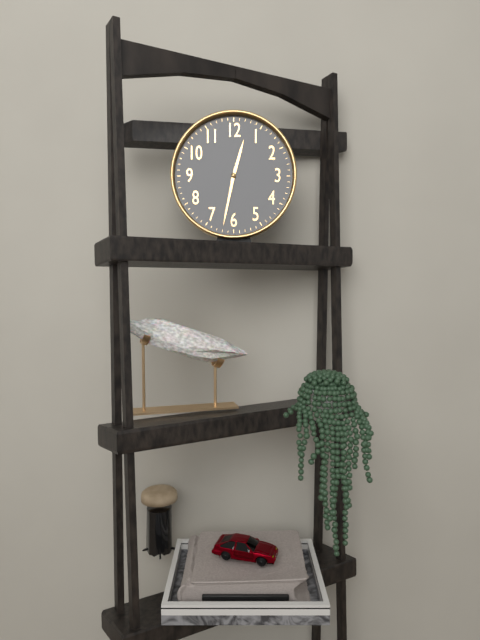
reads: 12,32
